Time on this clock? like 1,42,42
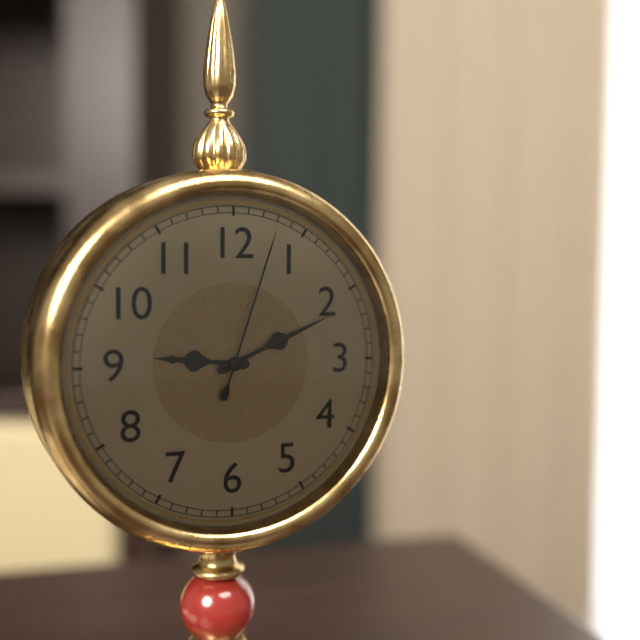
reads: 9,11,03
